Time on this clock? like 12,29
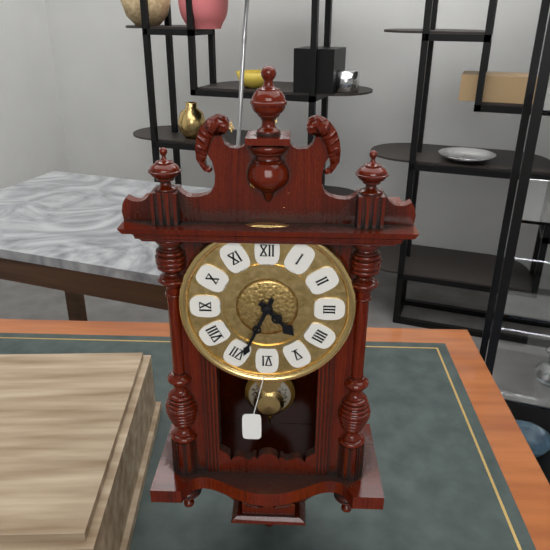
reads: 4,34
